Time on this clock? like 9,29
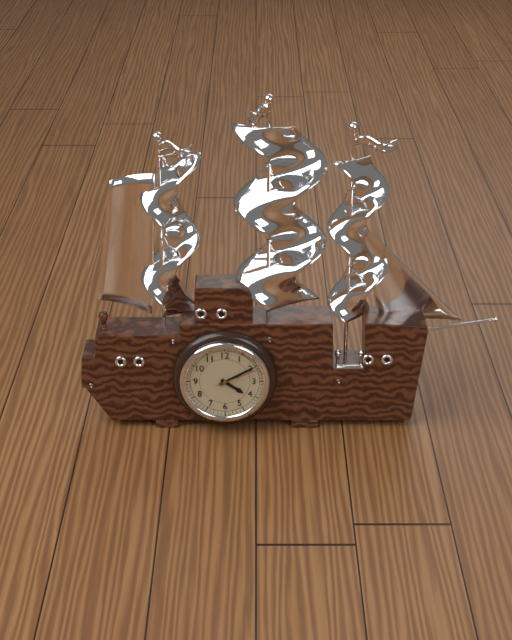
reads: 4,10
